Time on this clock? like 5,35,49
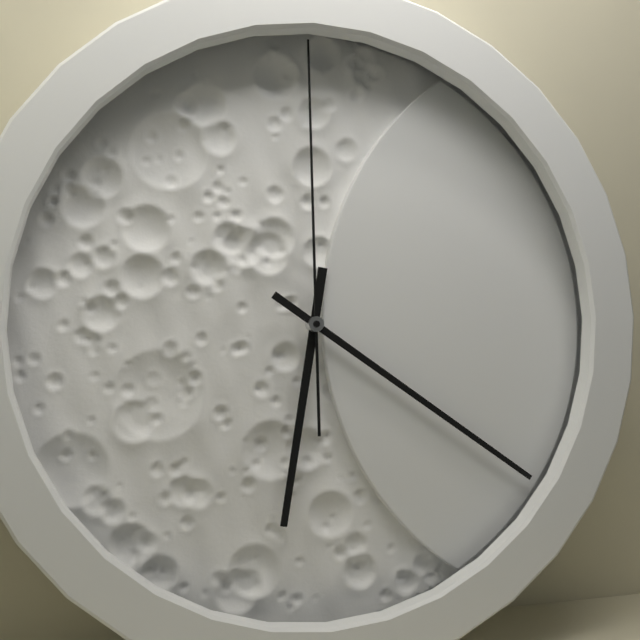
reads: 6,21,00
